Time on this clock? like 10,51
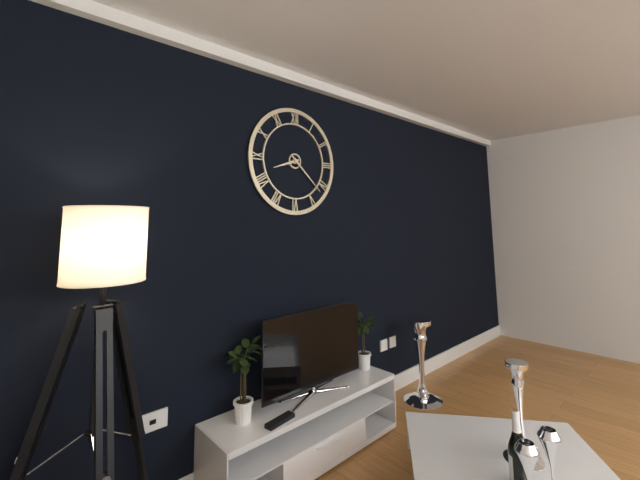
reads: 8,22
